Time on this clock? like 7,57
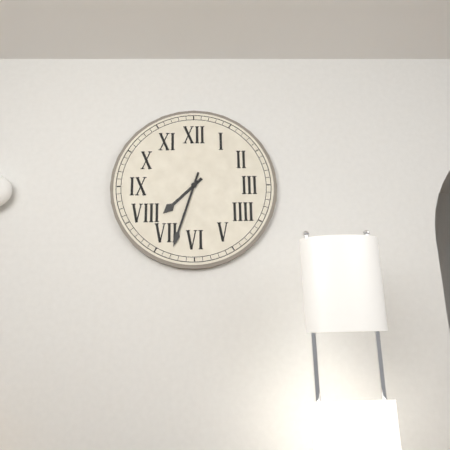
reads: 7,33
